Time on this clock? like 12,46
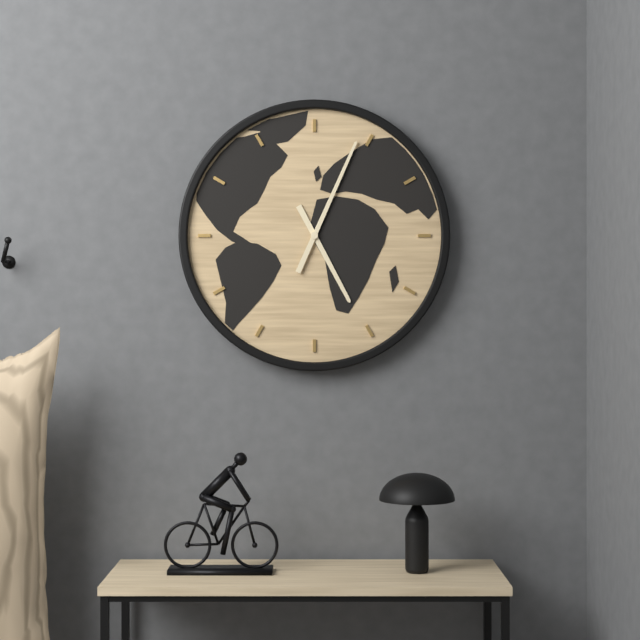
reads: 5,04
